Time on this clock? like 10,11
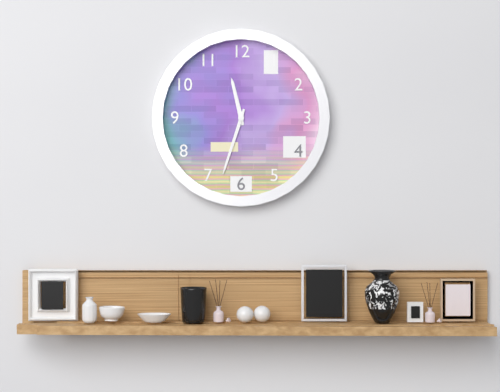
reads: 11,33
